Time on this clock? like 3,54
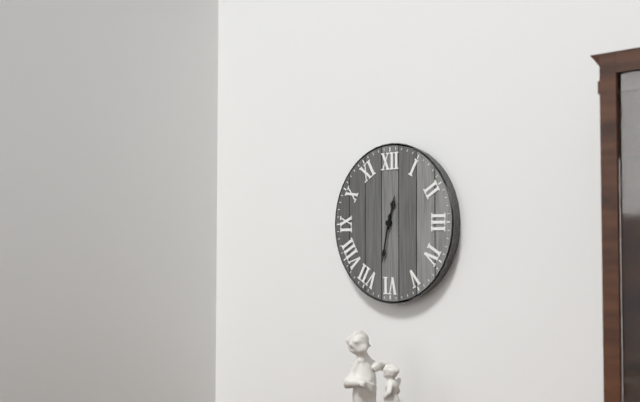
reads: 12,32
